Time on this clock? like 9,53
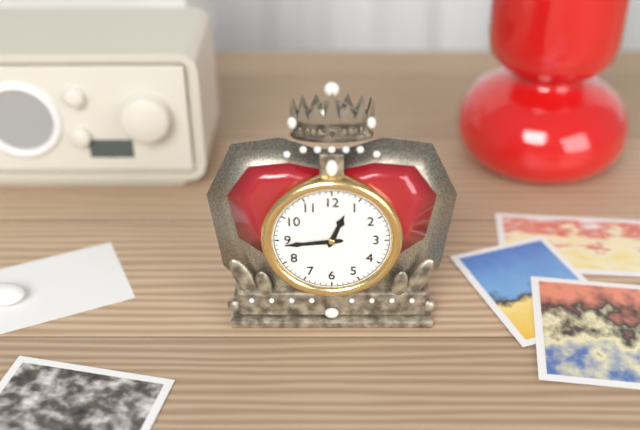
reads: 12,44
